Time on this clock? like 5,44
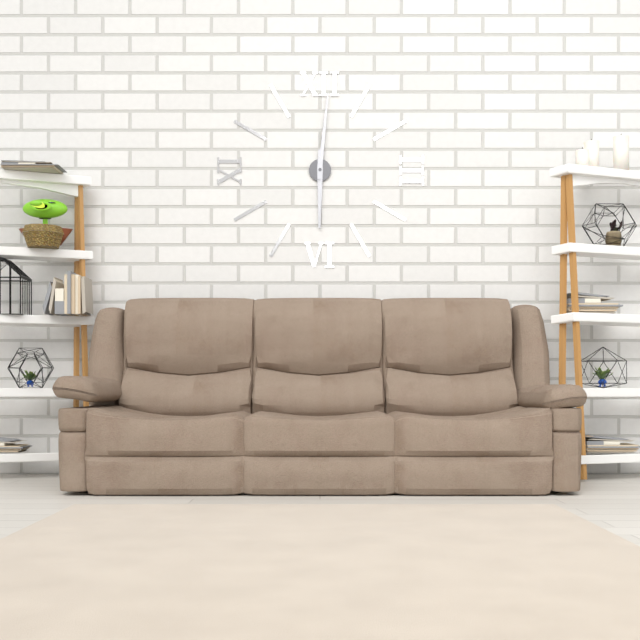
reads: 6,01
